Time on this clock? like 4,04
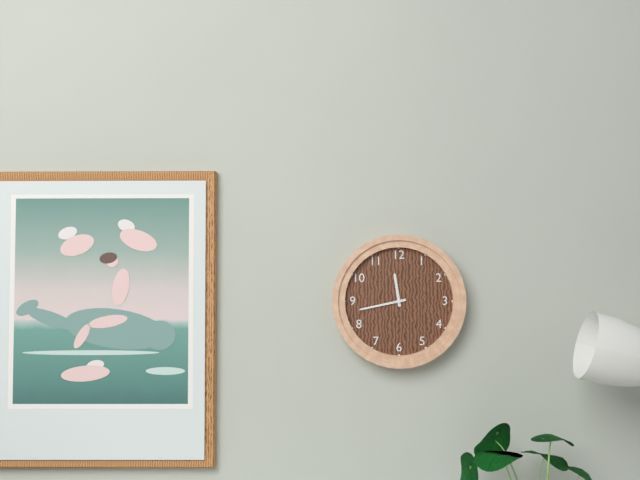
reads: 11,43
